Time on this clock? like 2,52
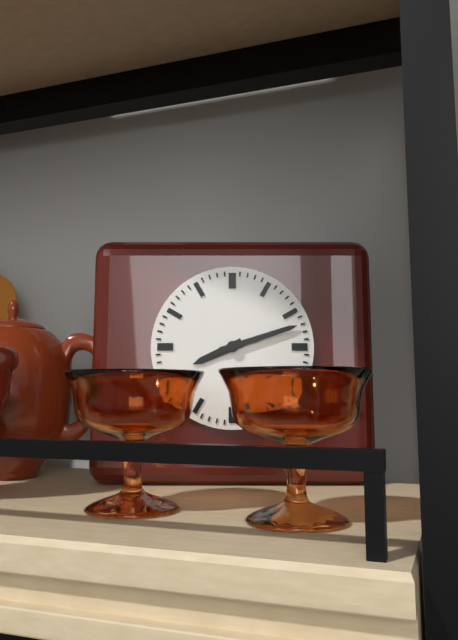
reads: 8,12
